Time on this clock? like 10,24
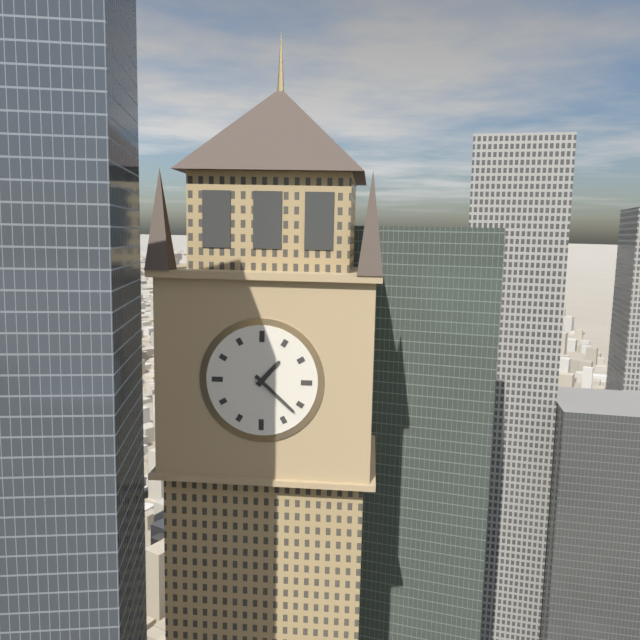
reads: 1,22
